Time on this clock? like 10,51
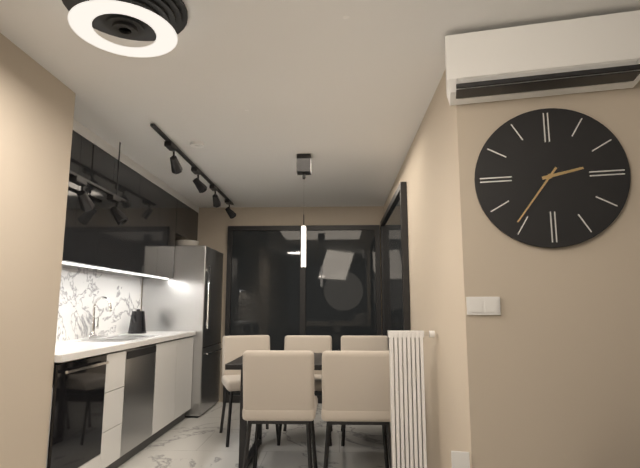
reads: 2,36
